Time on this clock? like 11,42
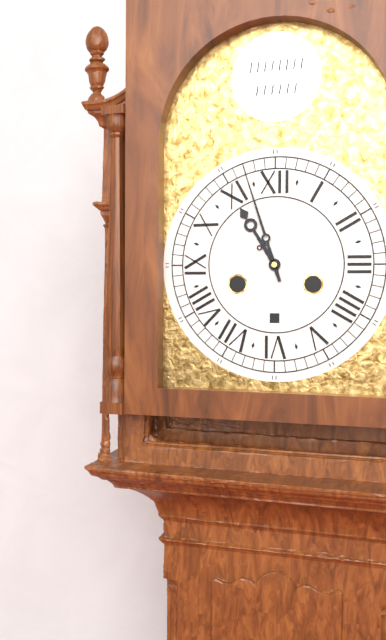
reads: 10,57
